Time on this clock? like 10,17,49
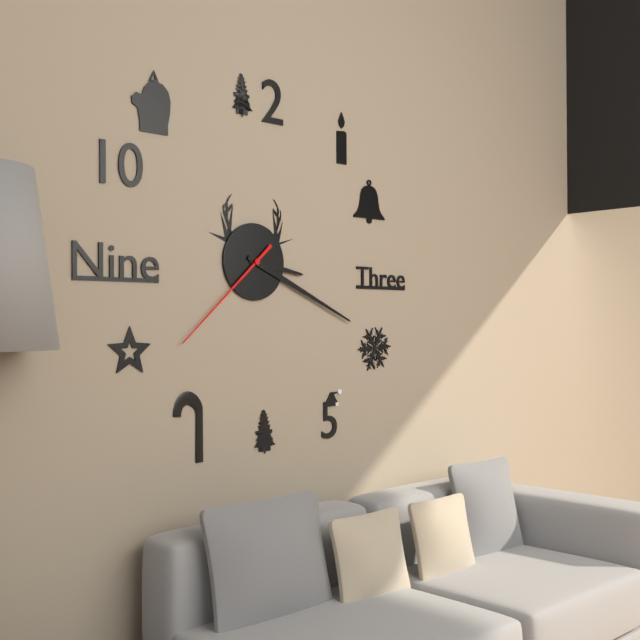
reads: 3,19,38
